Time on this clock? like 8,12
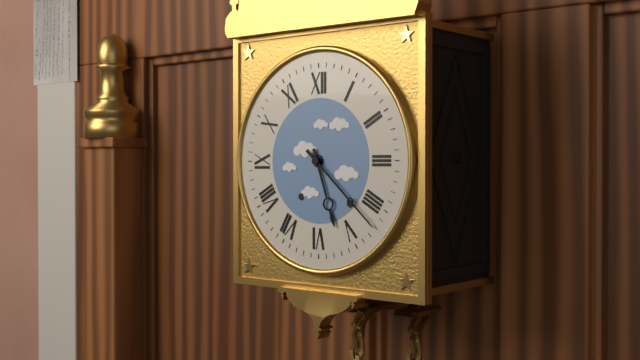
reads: 5,22
